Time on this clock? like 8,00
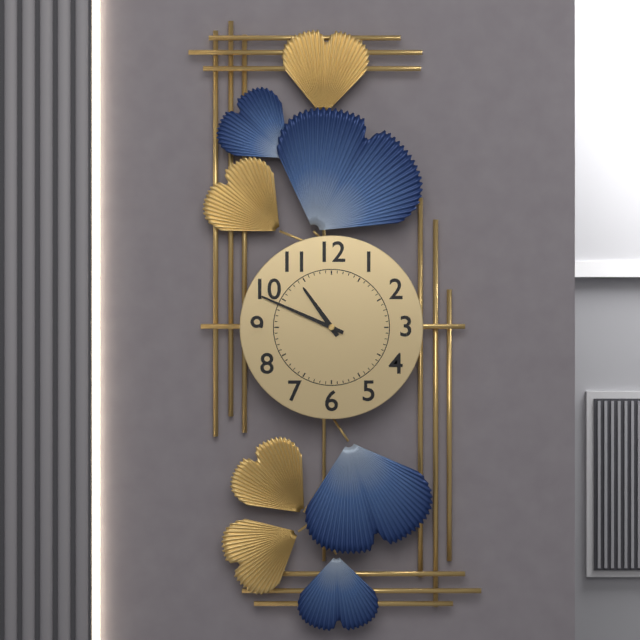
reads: 10,49
